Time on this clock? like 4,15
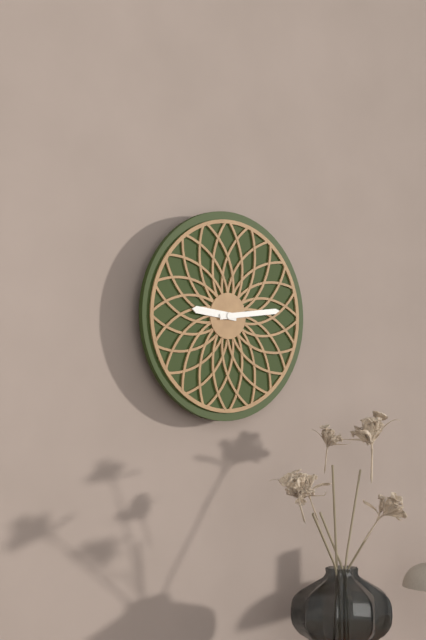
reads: 9,14
